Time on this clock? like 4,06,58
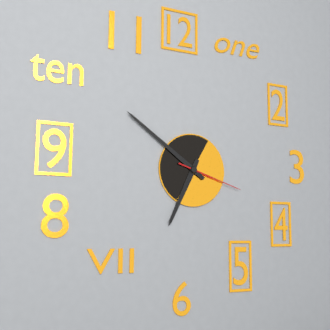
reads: 6,51,18
